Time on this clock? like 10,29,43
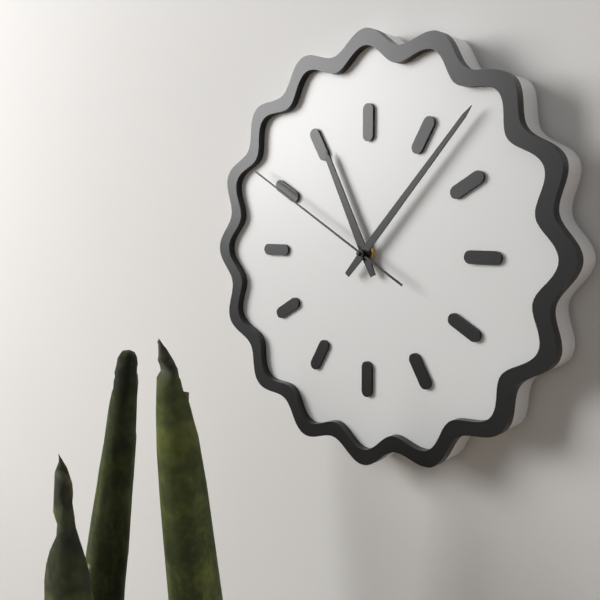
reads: 11,07,50
